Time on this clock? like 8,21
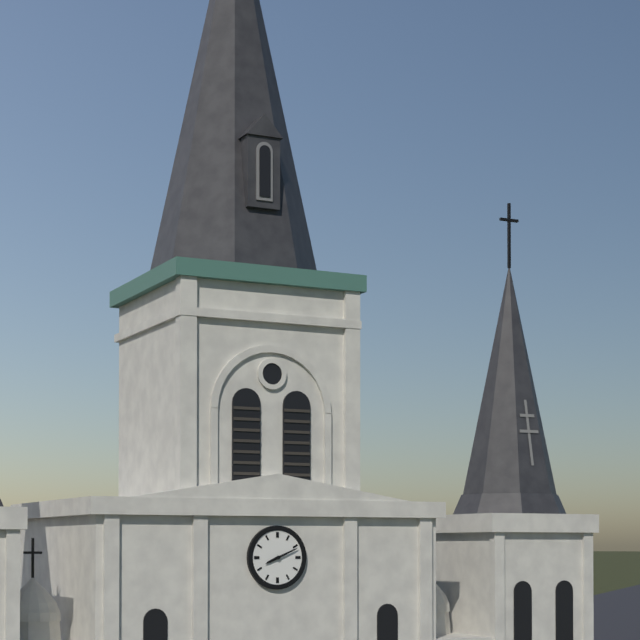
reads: 8,11
